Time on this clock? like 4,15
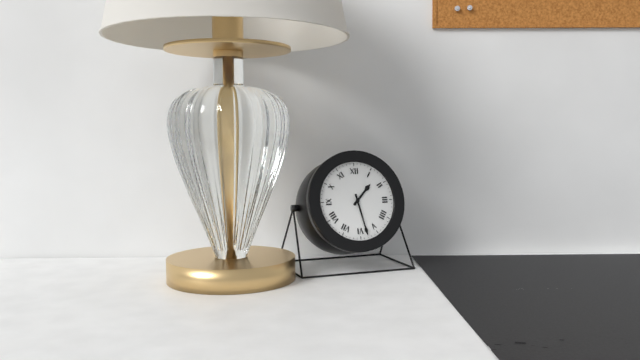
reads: 1,28
